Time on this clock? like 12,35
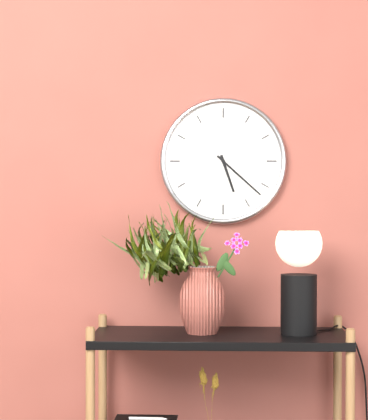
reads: 5,22
